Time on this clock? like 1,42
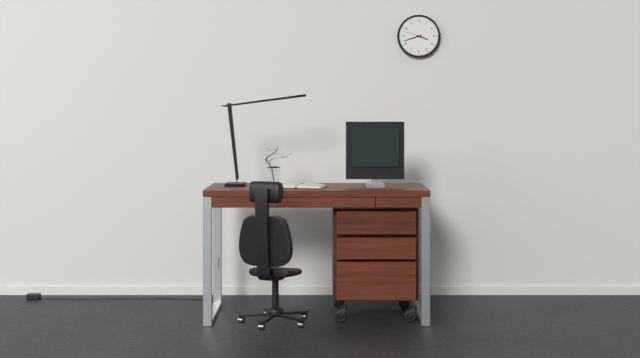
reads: 3,42
